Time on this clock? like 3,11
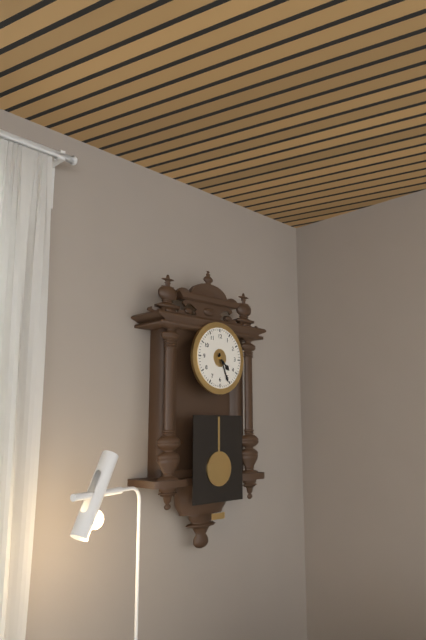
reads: 4,26
